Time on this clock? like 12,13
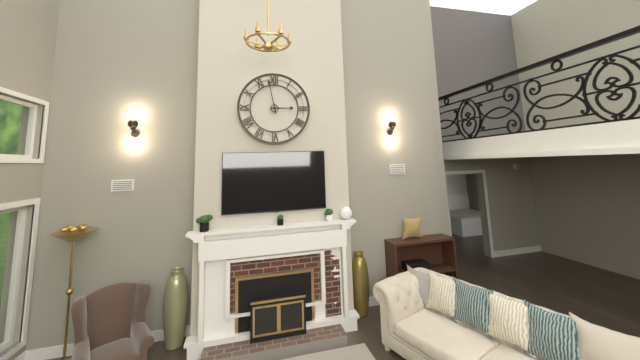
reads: 2,58
